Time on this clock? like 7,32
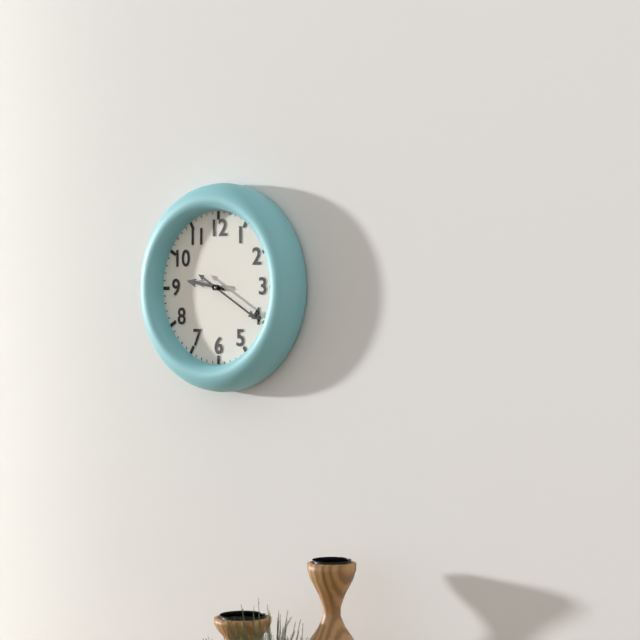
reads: 9,20
